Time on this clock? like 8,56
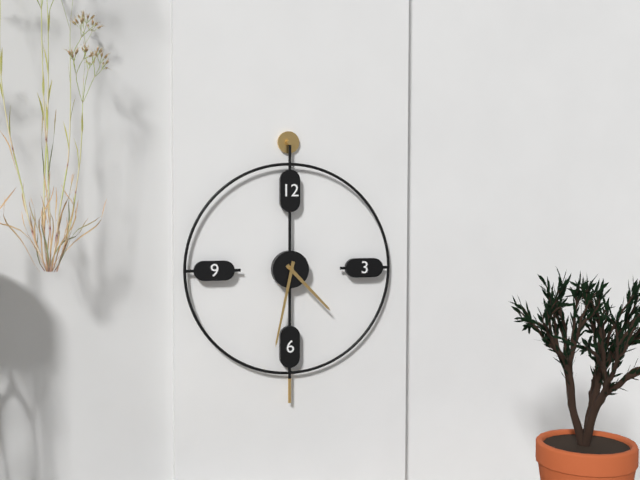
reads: 4,32
